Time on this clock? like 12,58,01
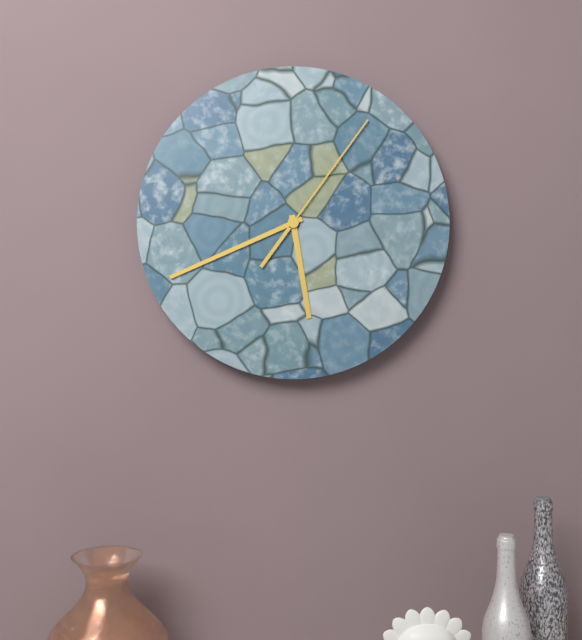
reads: 5,41,06
